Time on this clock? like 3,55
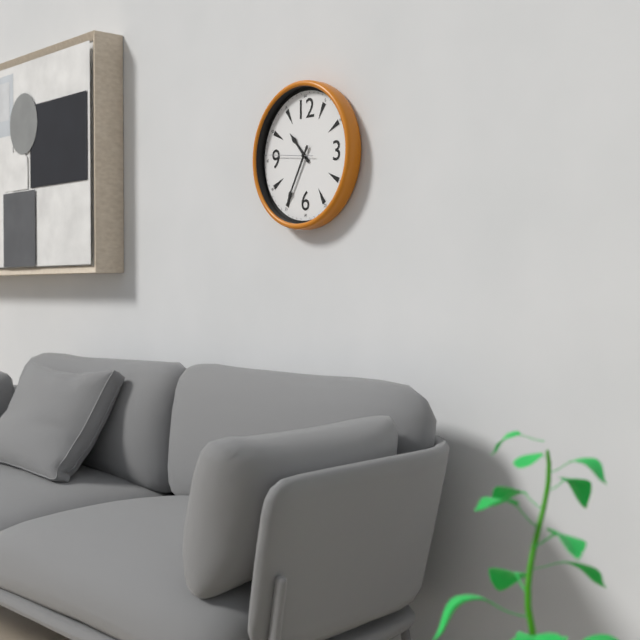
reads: 10,35
